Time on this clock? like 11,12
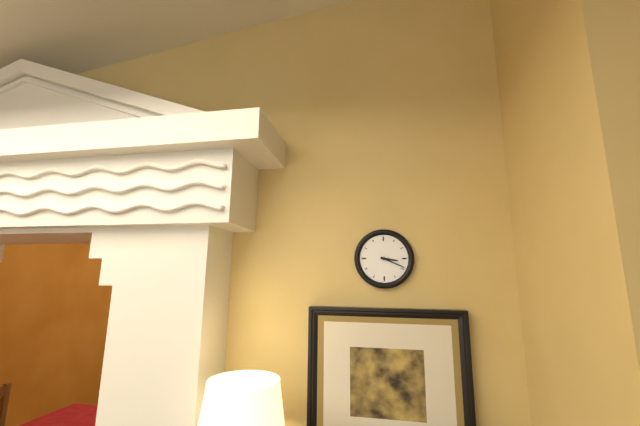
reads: 3,19
